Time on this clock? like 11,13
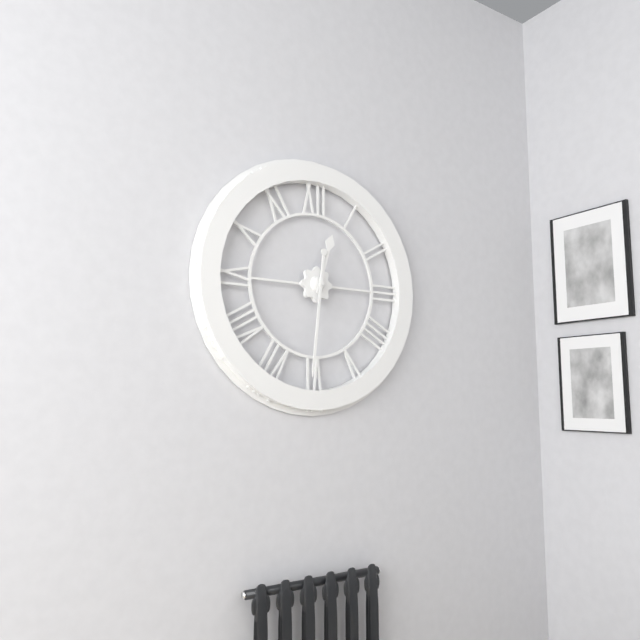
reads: 12,31
